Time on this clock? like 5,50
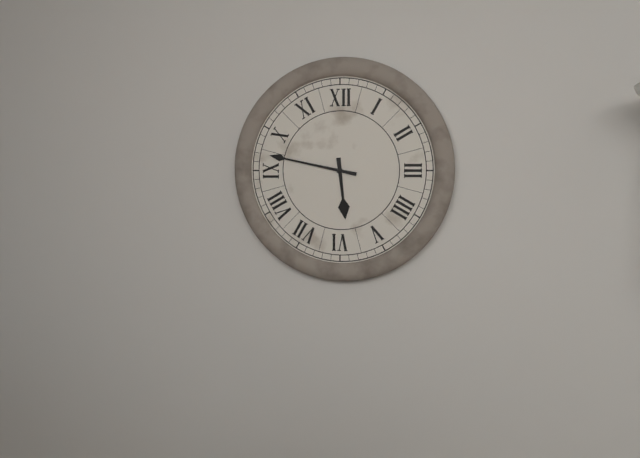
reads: 5,47
